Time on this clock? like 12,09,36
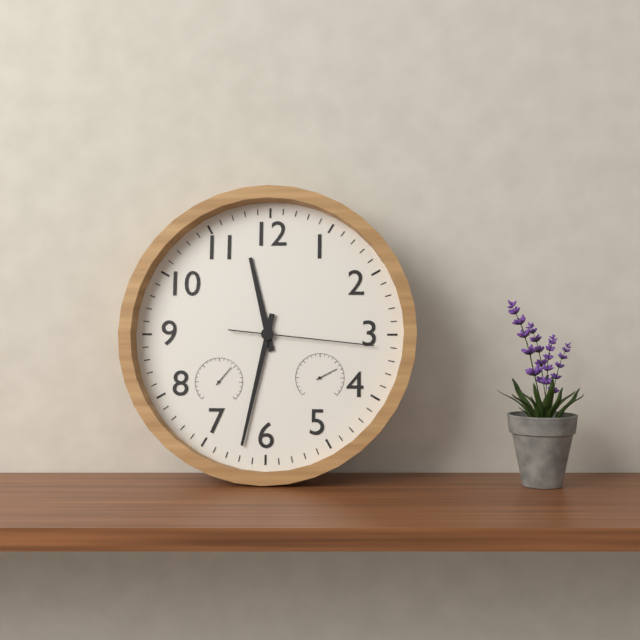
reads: 11,32,16
